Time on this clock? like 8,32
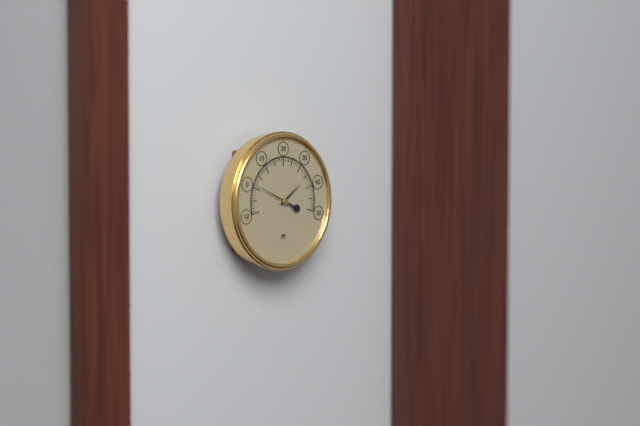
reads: 1,49
